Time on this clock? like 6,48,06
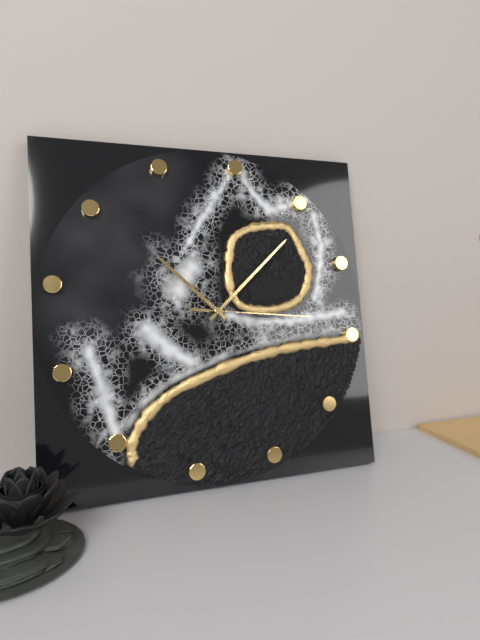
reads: 10,06,14
